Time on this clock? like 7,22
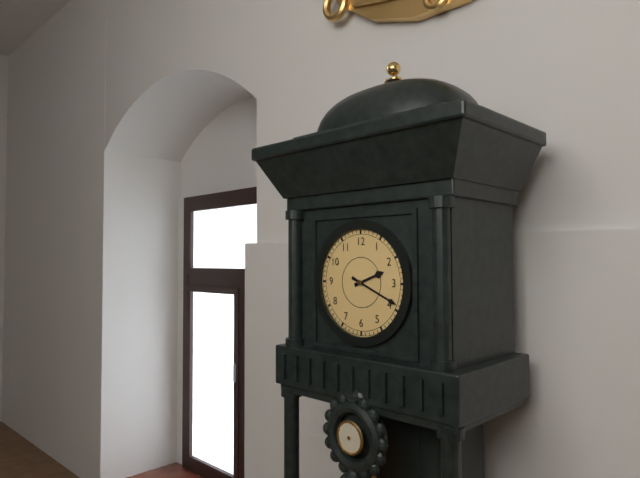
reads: 2,19
